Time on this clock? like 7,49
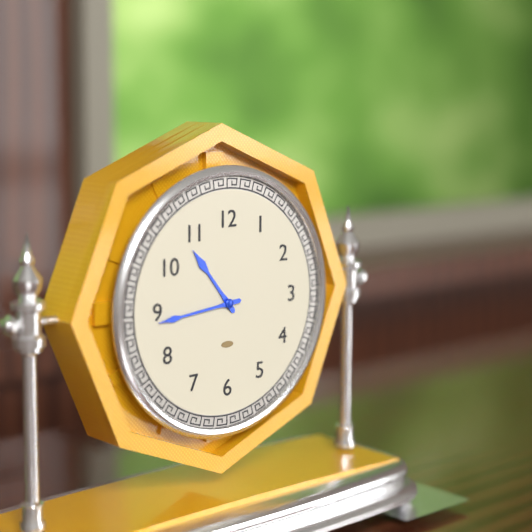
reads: 10,44
